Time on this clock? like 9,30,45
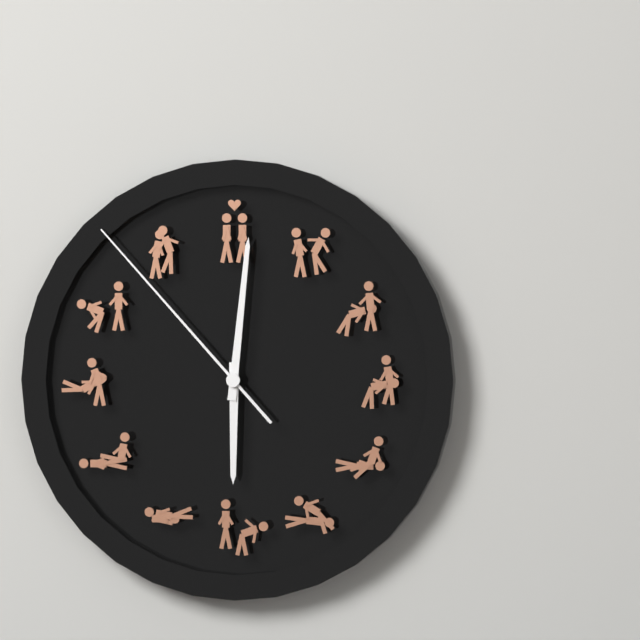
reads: 6,01,53
